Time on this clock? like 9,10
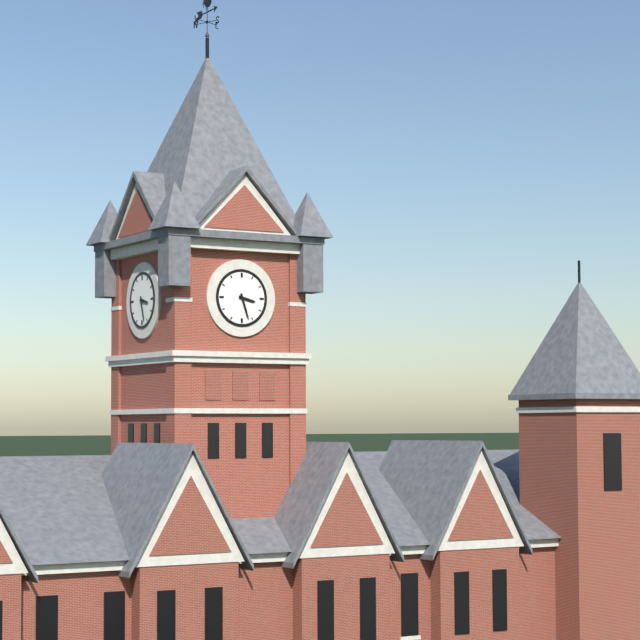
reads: 3,27
